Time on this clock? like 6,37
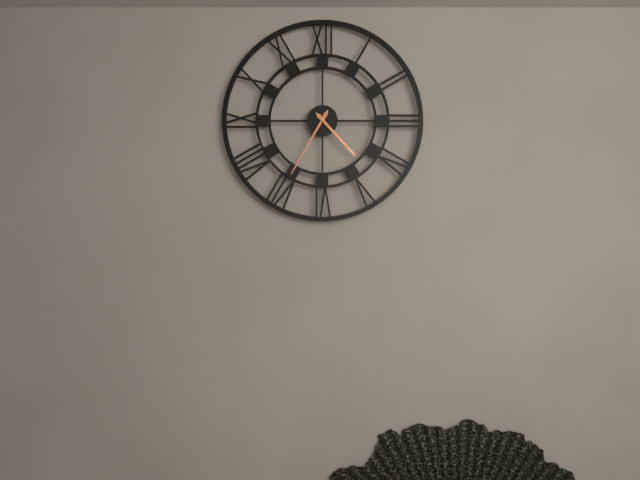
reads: 4,35
